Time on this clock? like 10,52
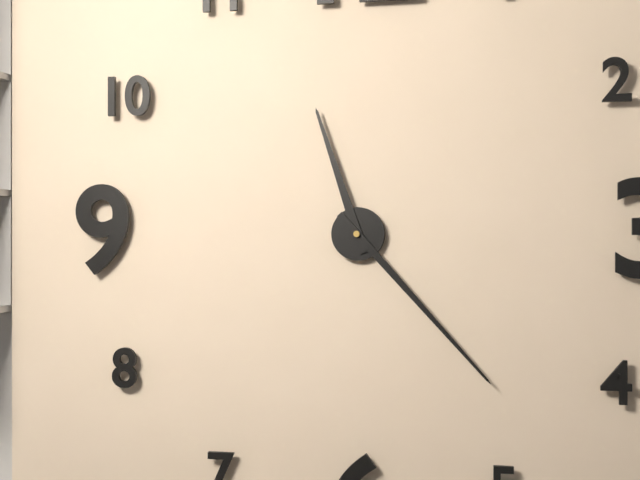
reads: 11,23
